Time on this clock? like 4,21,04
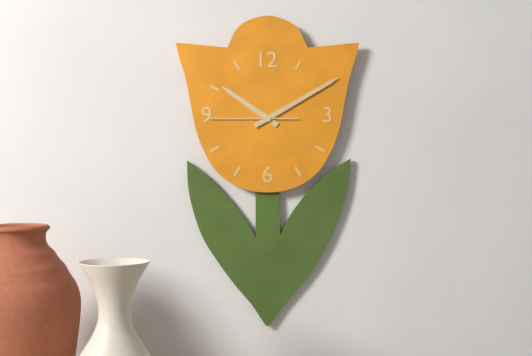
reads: 10,10,45
